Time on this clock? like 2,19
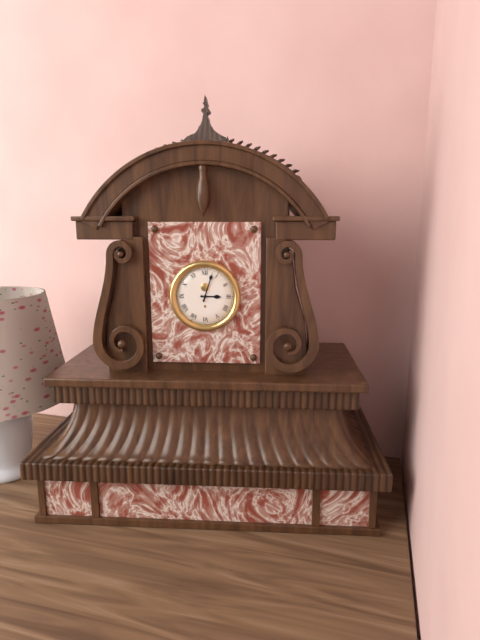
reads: 3,03
